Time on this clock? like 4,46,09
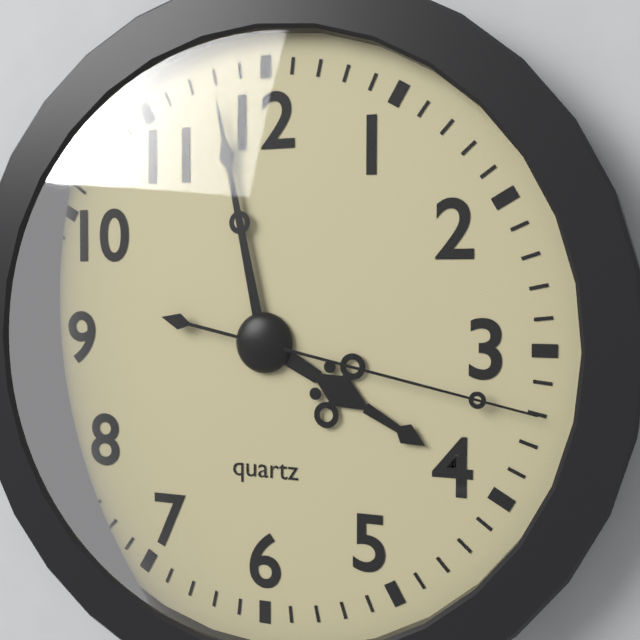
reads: 3,58,17
